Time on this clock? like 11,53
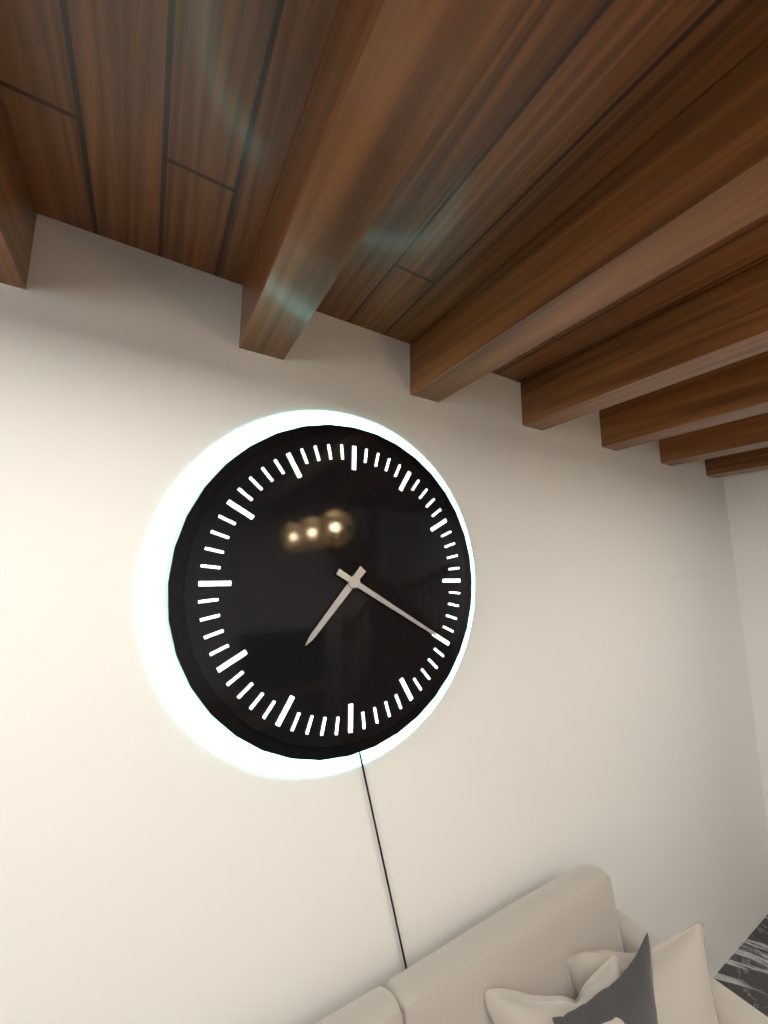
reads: 7,20
